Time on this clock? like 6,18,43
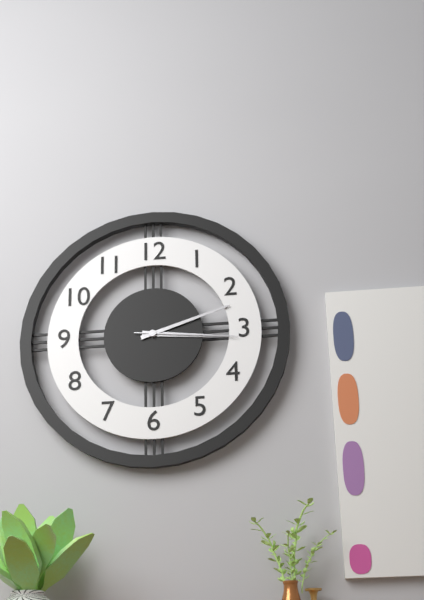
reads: 3,12,16
